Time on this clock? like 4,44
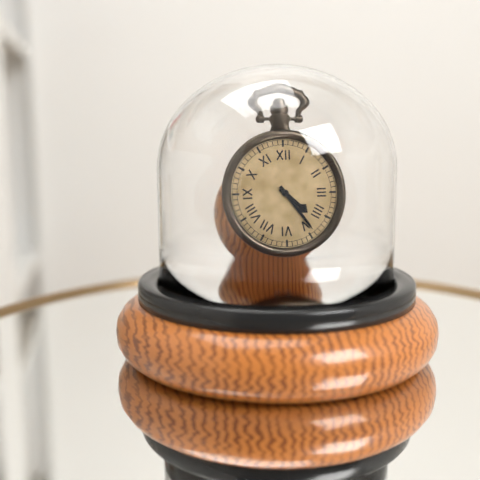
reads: 4,24
